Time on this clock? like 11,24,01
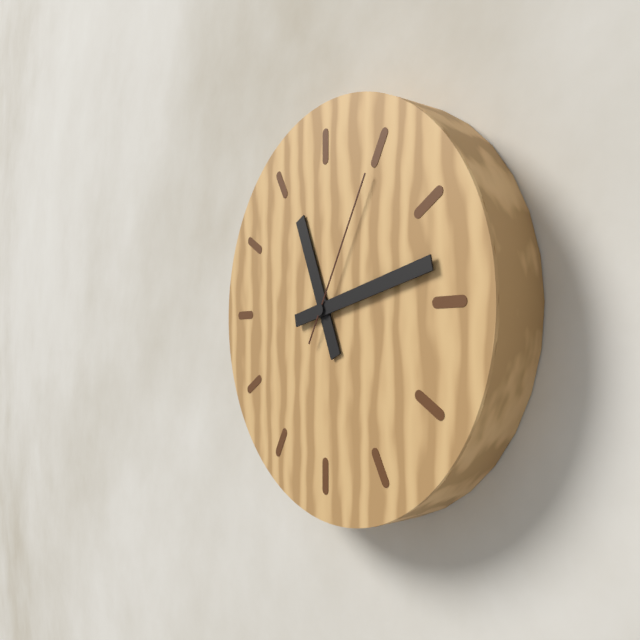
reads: 11,13,05
